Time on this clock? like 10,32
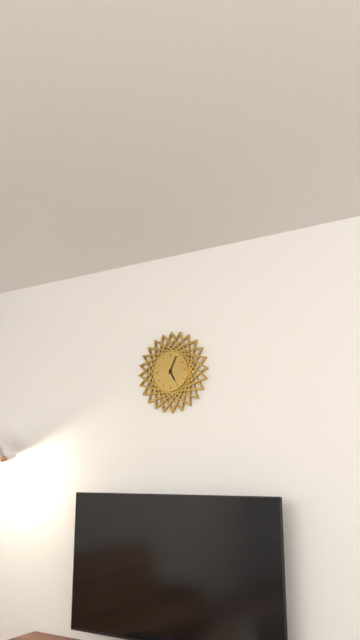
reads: 5,04
